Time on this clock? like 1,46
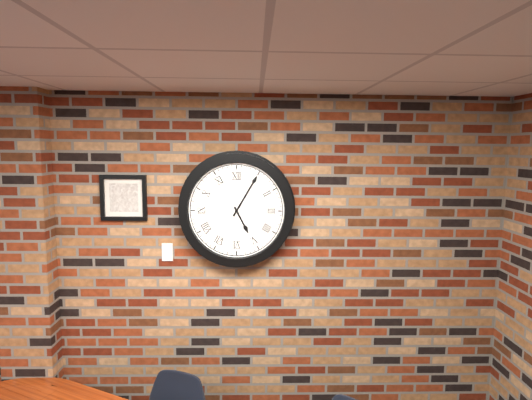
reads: 5,05
